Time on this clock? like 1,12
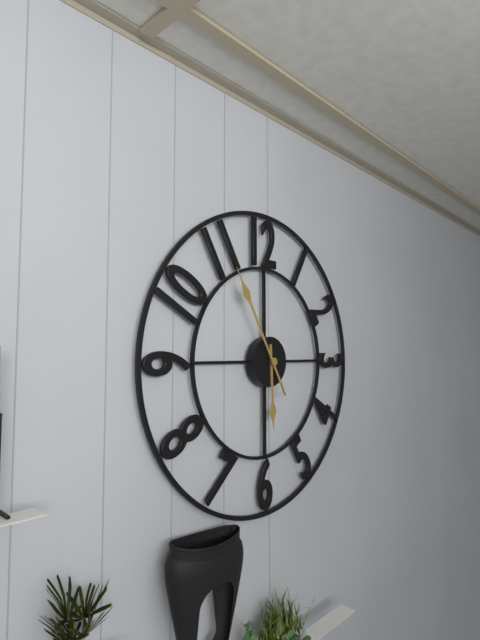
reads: 5,55
